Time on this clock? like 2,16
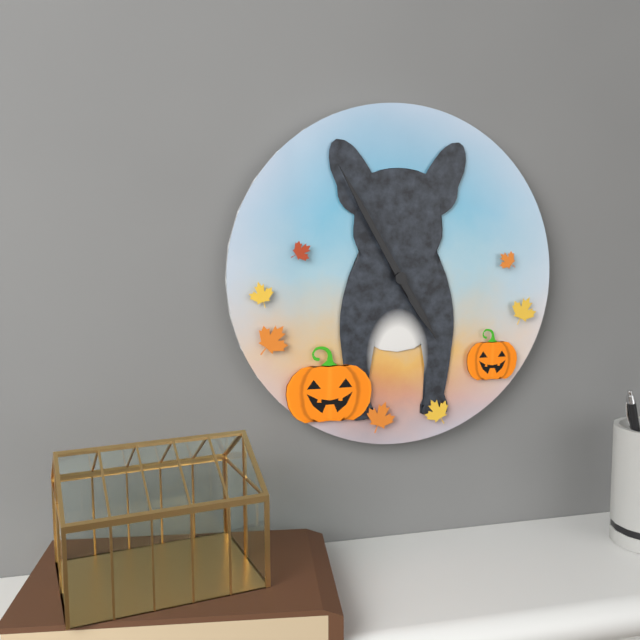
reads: 4,55
